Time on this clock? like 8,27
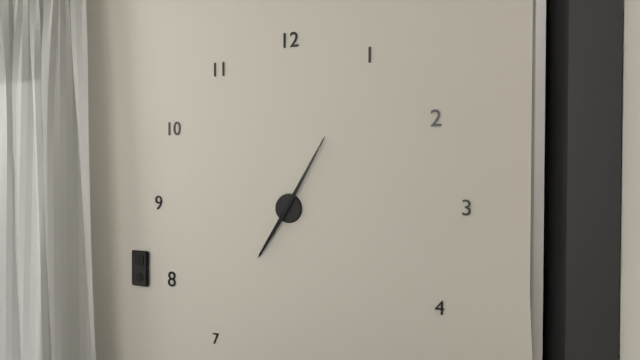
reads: 7,05
